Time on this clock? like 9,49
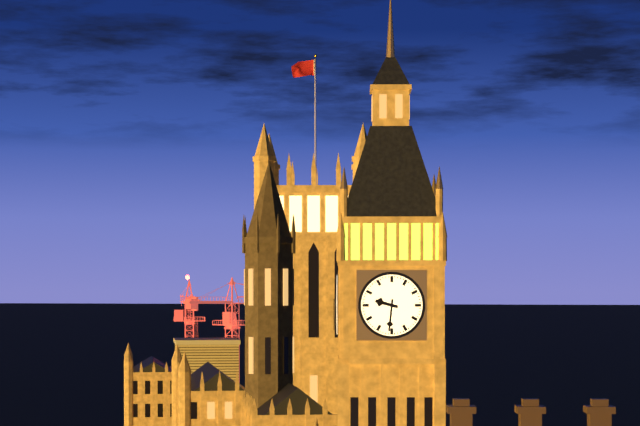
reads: 9,31
